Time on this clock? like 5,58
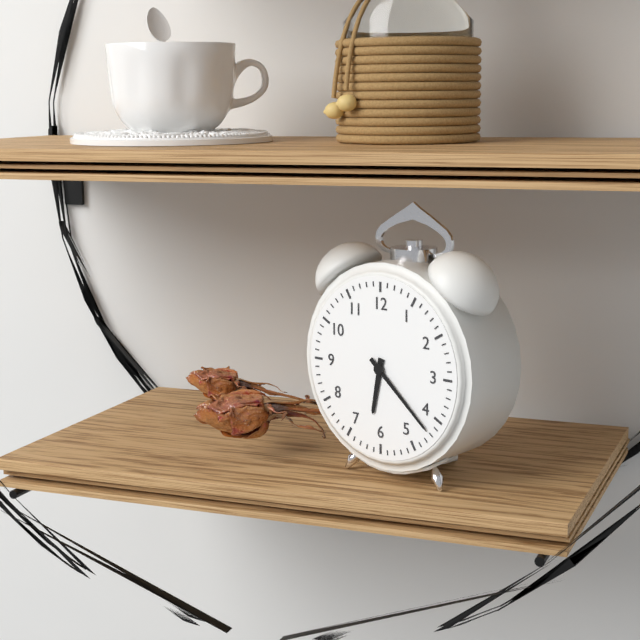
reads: 6,22
